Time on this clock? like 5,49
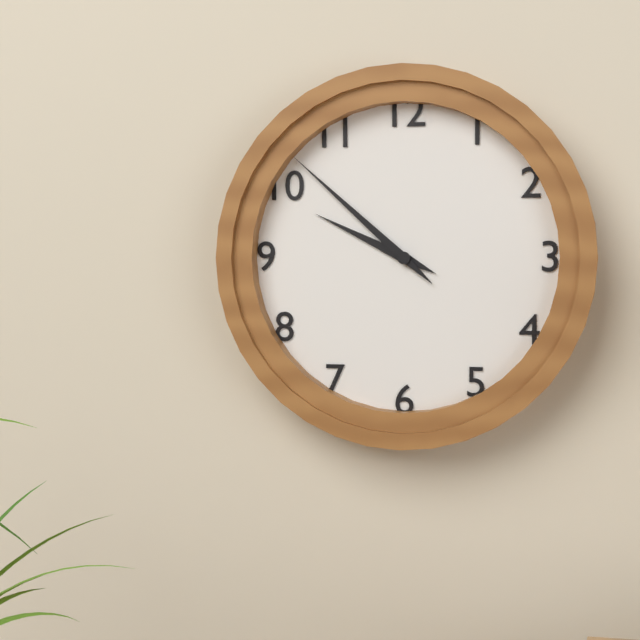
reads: 9,52
